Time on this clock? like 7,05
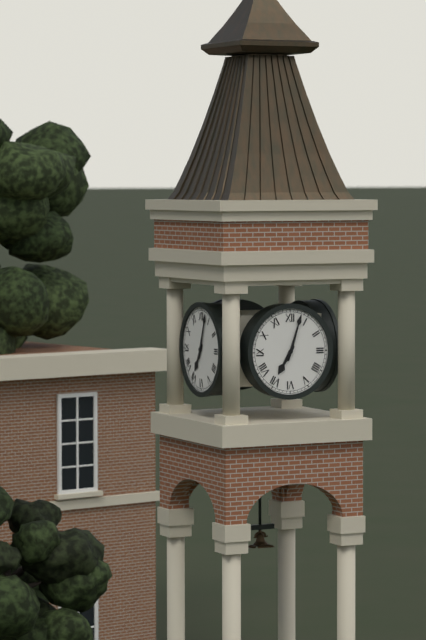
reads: 7,03
